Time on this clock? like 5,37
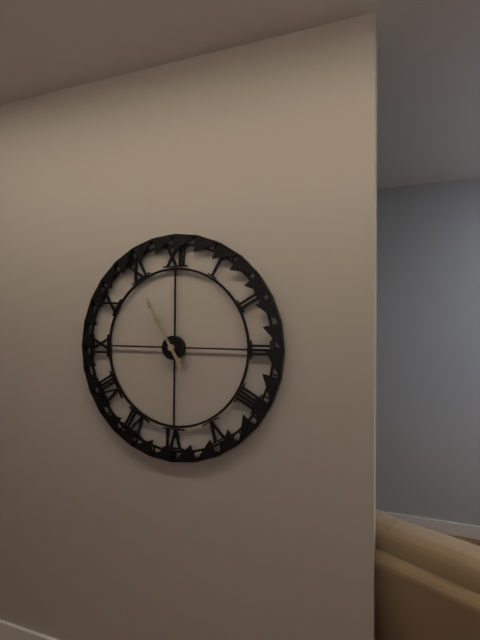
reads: 10,55
